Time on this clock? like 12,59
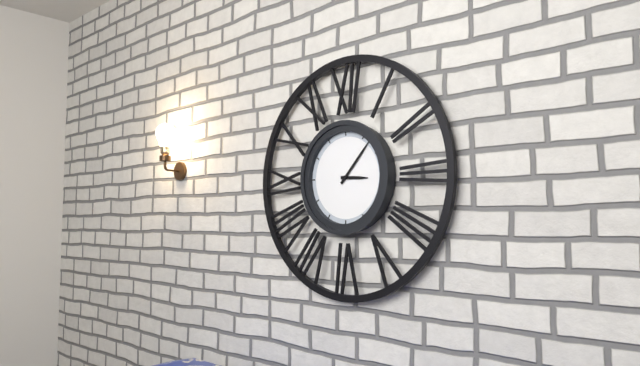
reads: 3,07
